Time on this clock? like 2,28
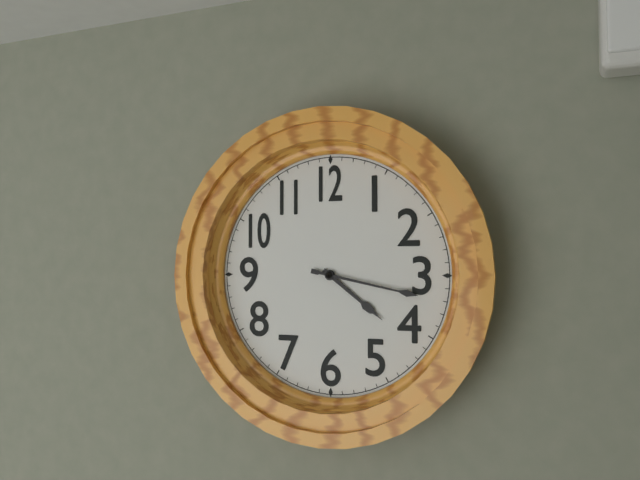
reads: 4,17
